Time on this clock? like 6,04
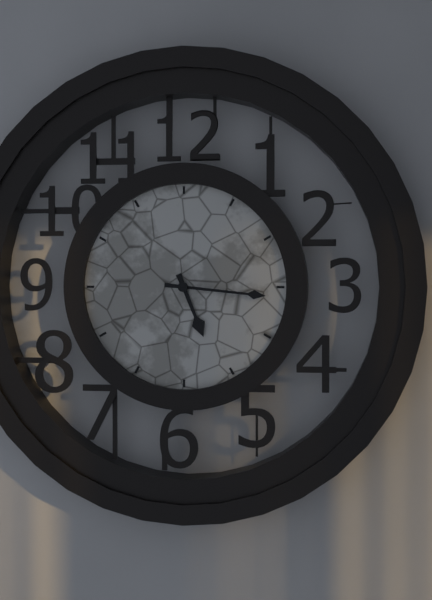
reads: 5,16
